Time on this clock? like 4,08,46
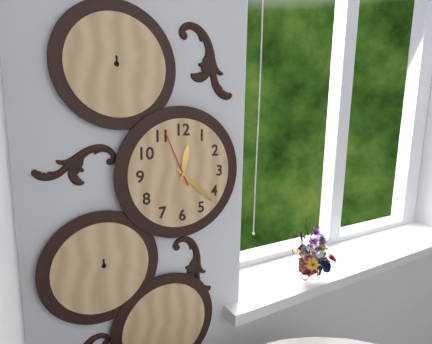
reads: 12,22,56
